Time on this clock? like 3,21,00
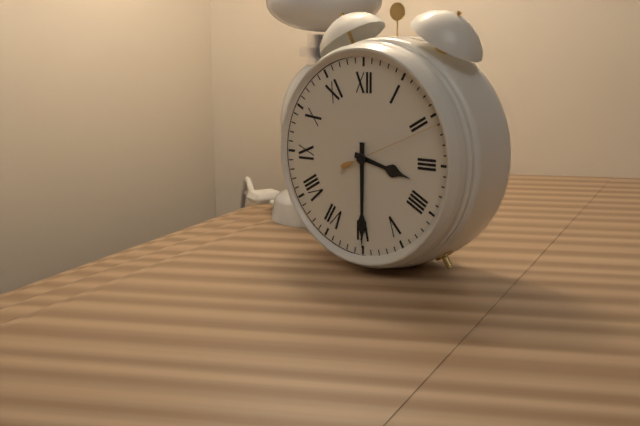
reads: 3,30,11
